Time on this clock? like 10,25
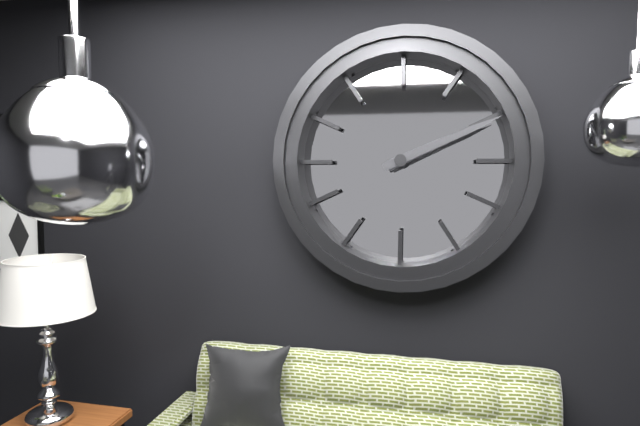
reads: 2,11
